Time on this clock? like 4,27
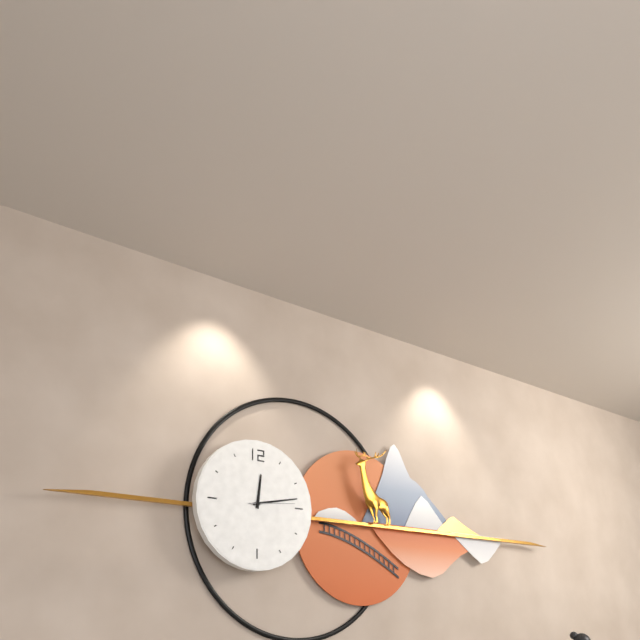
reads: 12,13
